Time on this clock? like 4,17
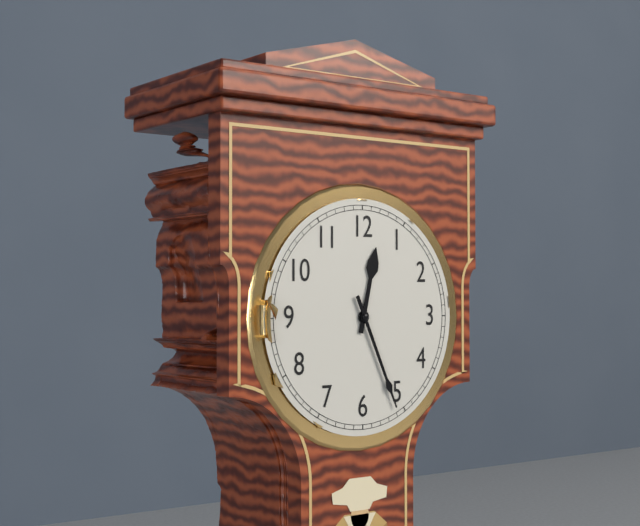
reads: 12,26
